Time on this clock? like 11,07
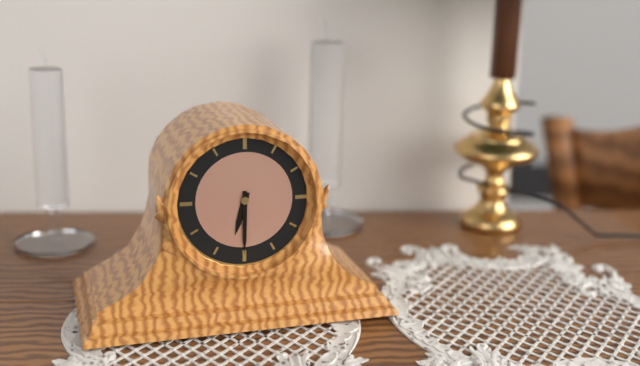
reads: 6,30
